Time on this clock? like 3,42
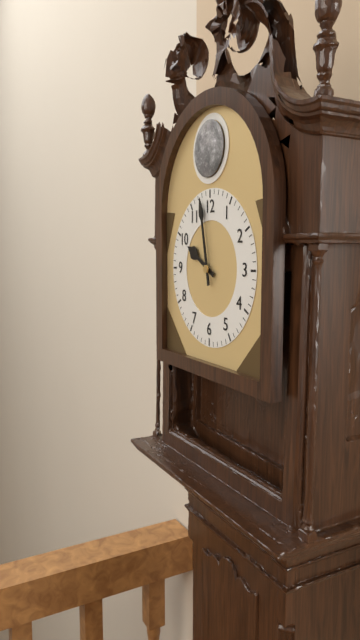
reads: 9,58
